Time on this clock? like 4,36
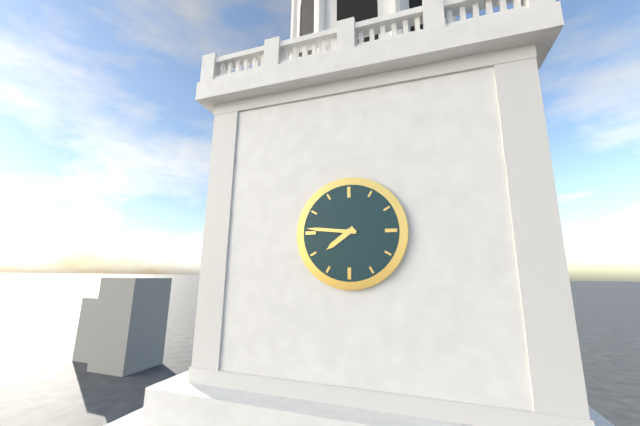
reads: 7,46
